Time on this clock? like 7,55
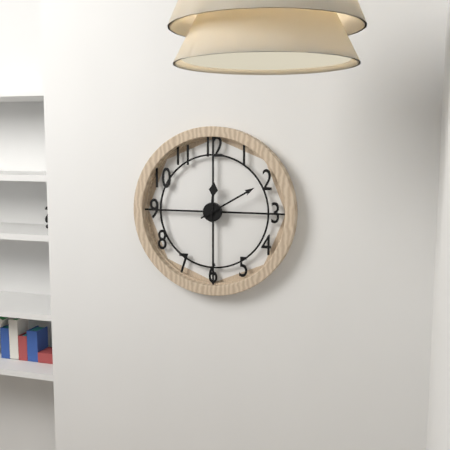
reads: 12,10
